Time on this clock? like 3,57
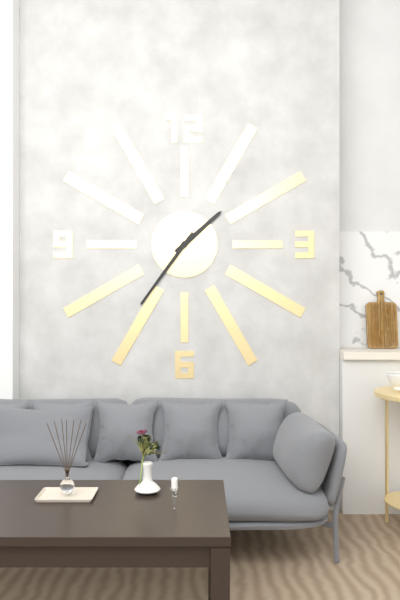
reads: 1,36
